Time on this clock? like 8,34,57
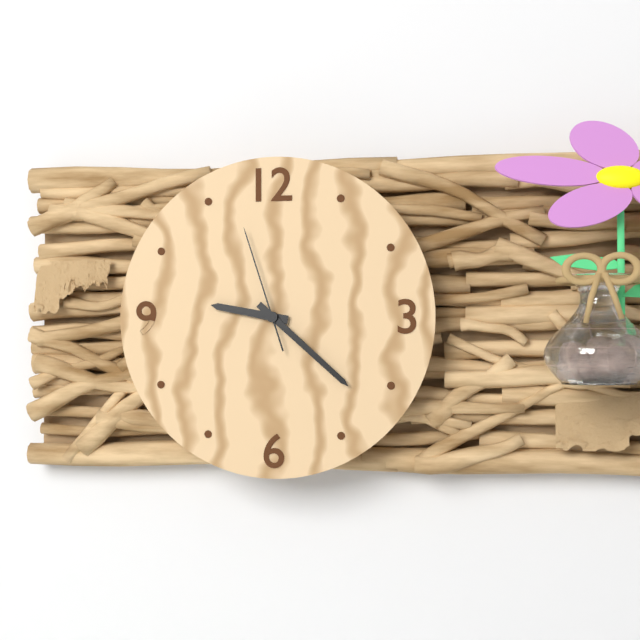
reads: 9,22,57
